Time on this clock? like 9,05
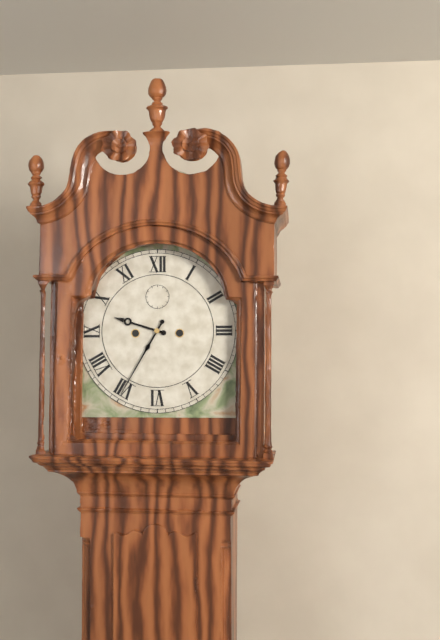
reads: 9,35
